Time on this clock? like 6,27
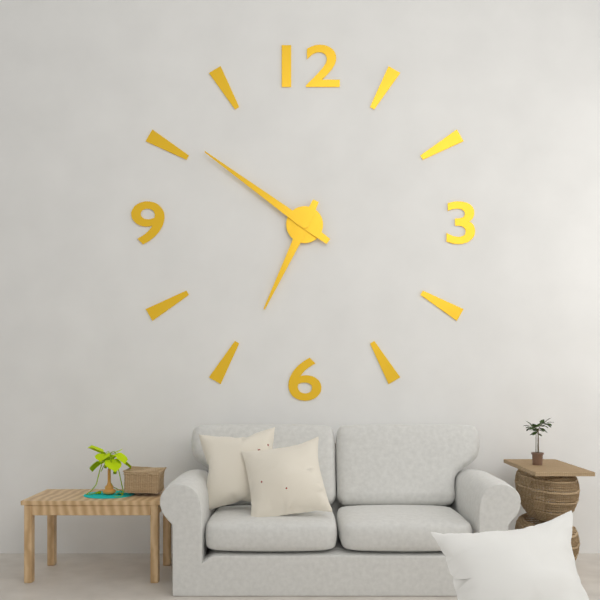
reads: 6,51
